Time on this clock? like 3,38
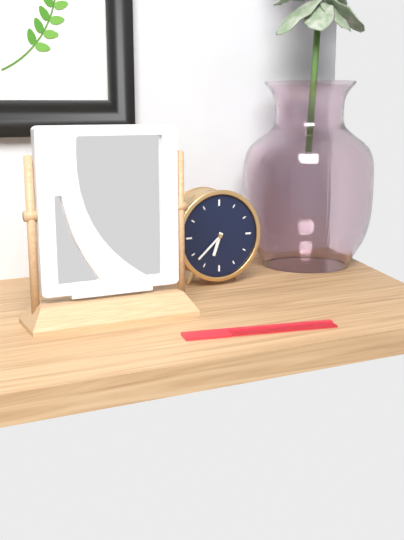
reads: 6,38
